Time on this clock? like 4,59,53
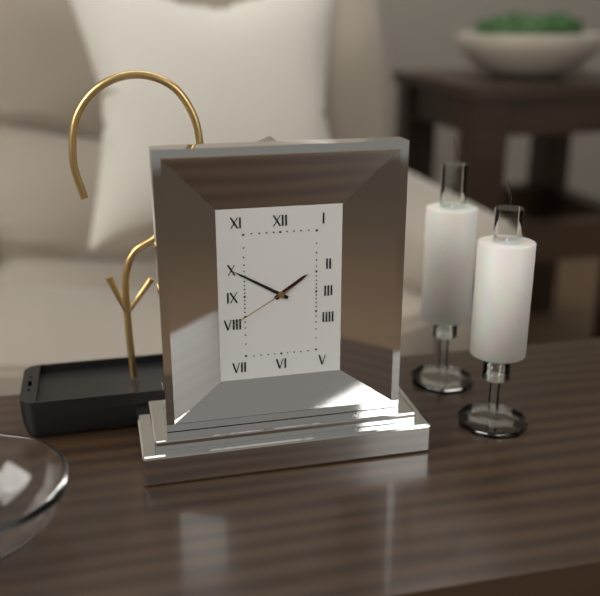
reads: 1,50,40
